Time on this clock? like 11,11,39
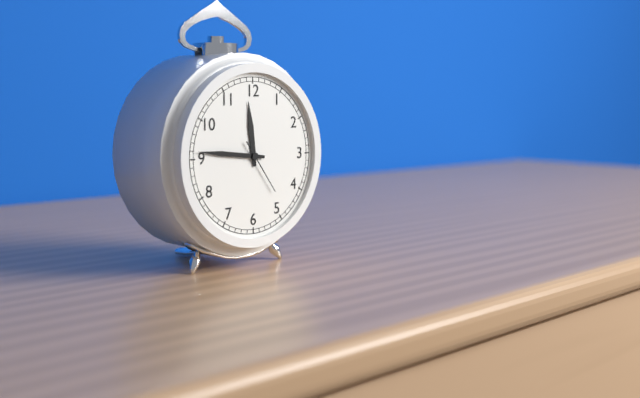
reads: 11,46,24
